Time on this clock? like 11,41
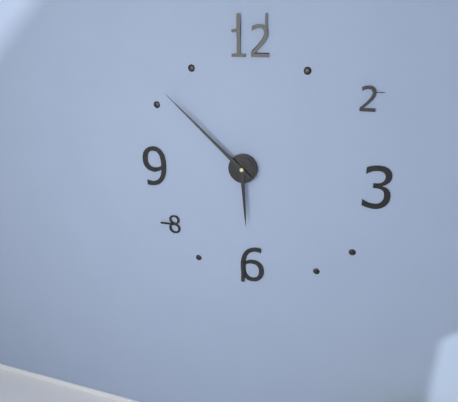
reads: 5,52
